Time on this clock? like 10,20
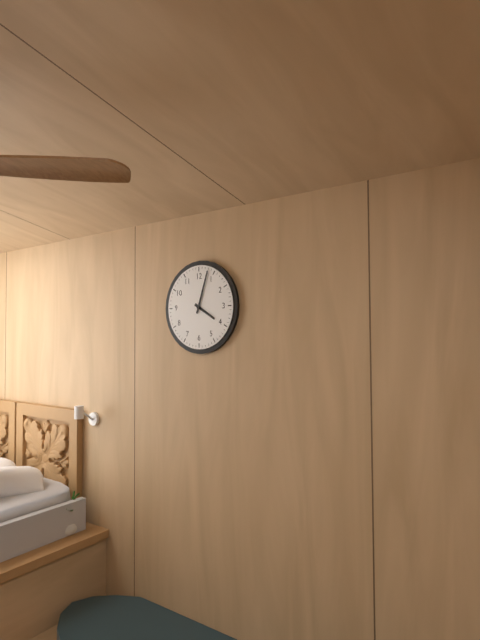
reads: 4,03
